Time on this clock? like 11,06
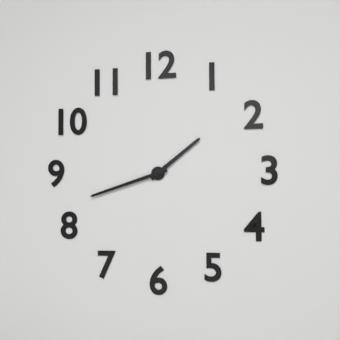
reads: 1,42
